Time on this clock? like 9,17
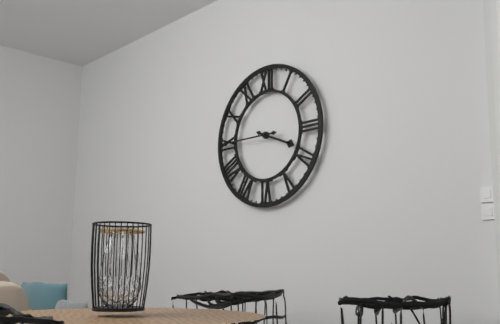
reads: 3,45
